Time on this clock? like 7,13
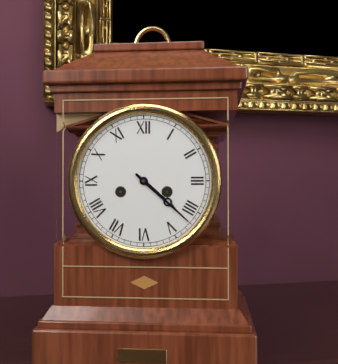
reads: 4,22
